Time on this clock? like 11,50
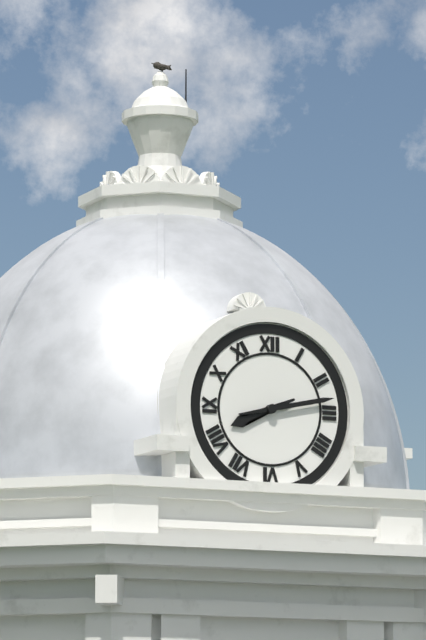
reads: 8,13
